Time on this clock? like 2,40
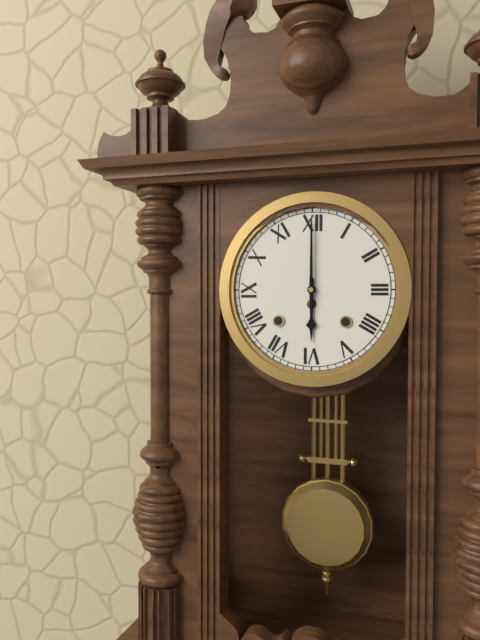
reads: 6,00
